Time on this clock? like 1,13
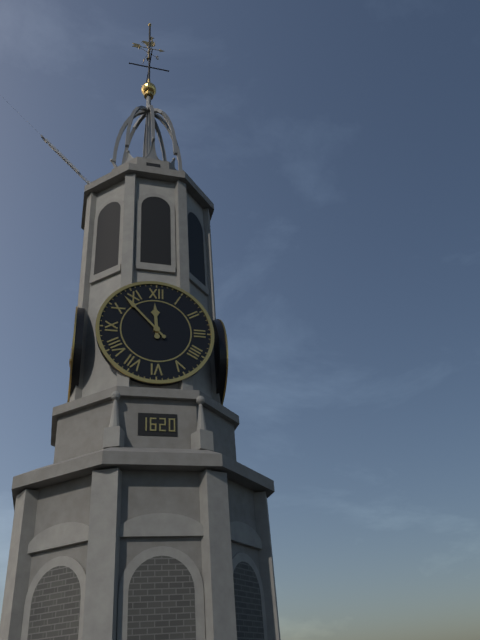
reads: 11,53
